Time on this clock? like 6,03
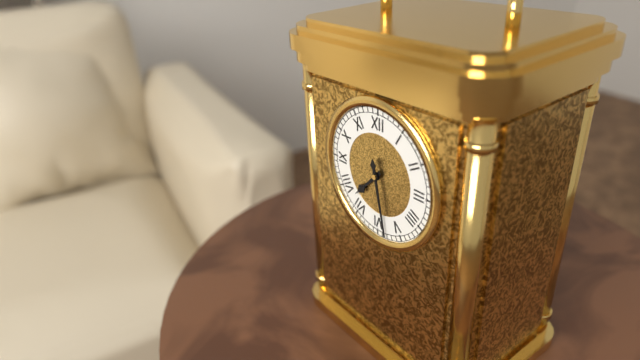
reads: 7,28
